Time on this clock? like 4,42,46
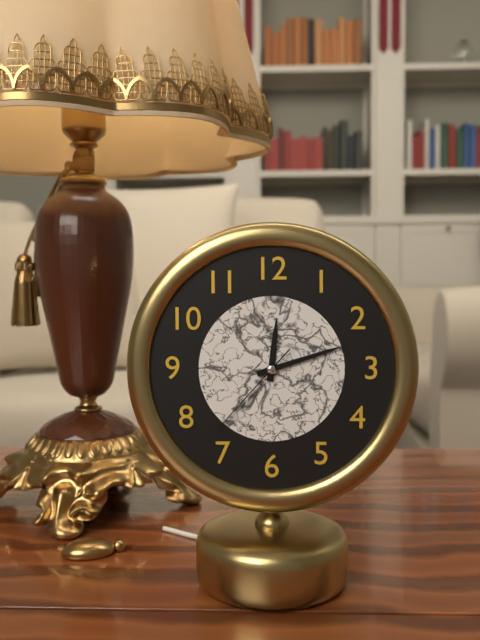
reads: 12,12,37
